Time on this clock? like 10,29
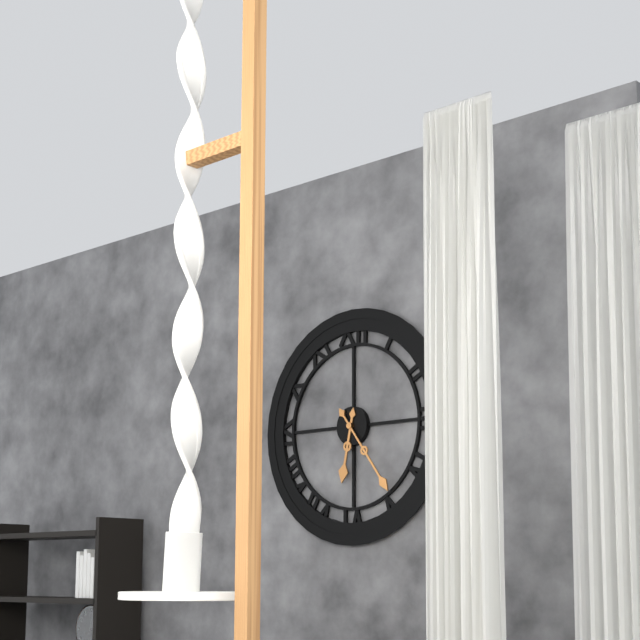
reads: 6,24
